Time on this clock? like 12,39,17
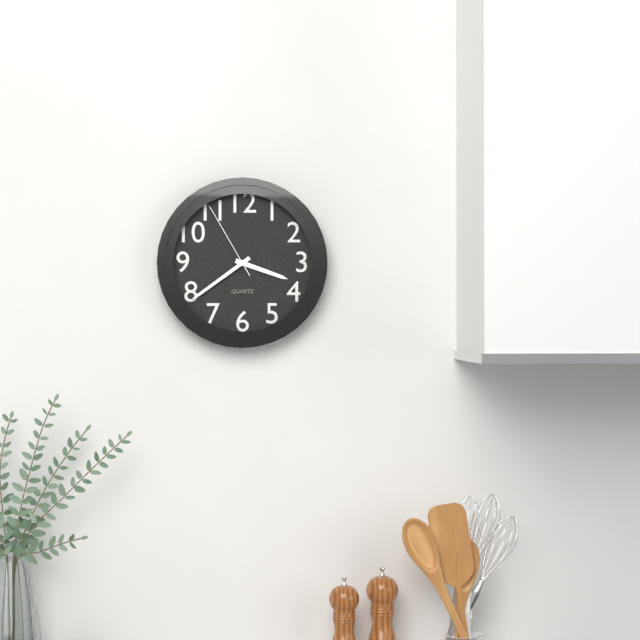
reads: 3,39,55
